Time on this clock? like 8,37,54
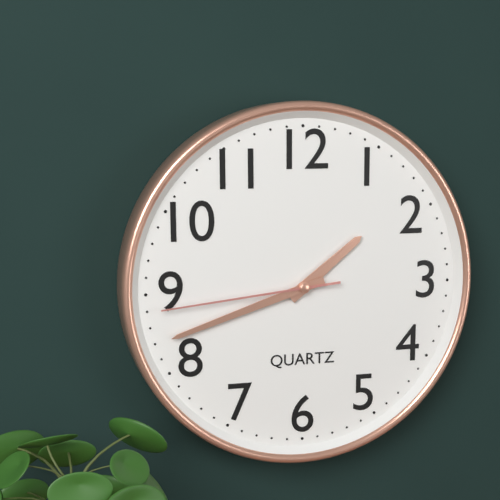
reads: 1,42,44
